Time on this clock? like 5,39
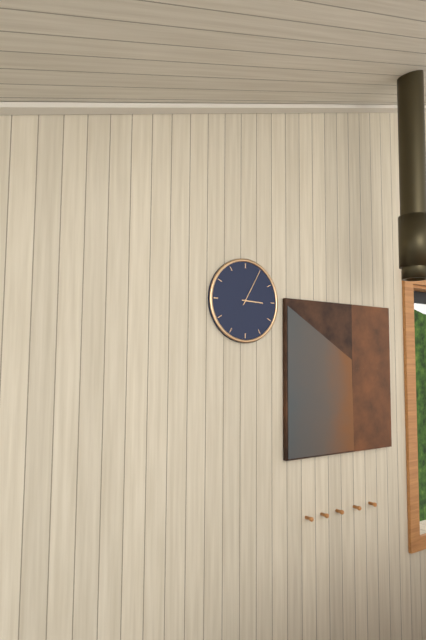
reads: 3,05
